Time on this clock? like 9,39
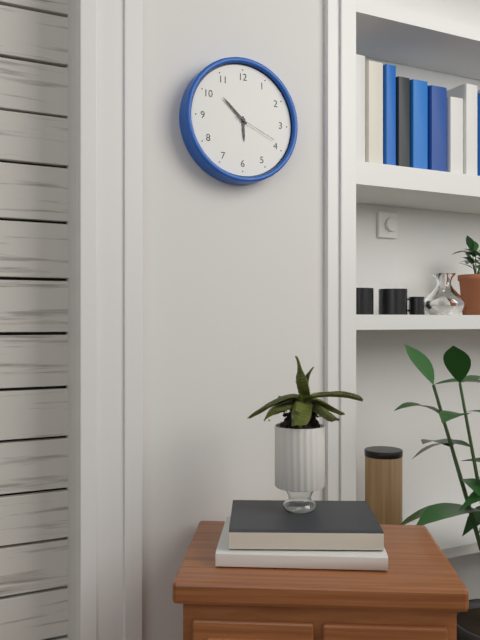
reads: 5,52
